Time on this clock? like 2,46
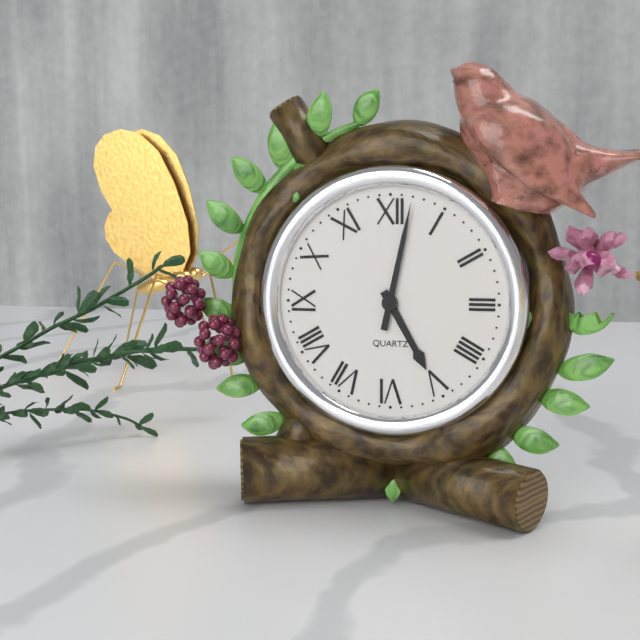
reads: 5,02
